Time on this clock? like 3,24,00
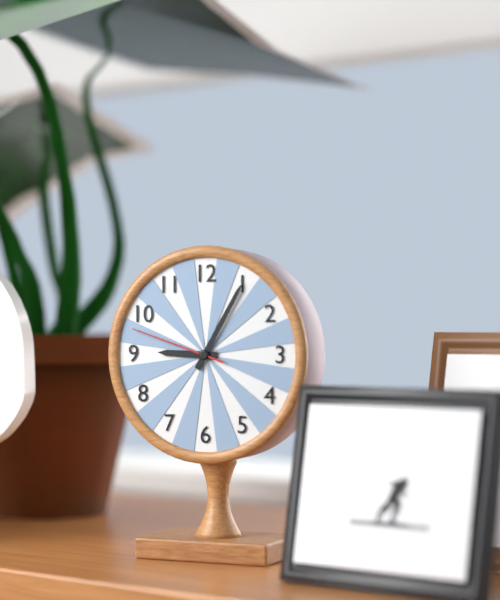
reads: 9,05,48
